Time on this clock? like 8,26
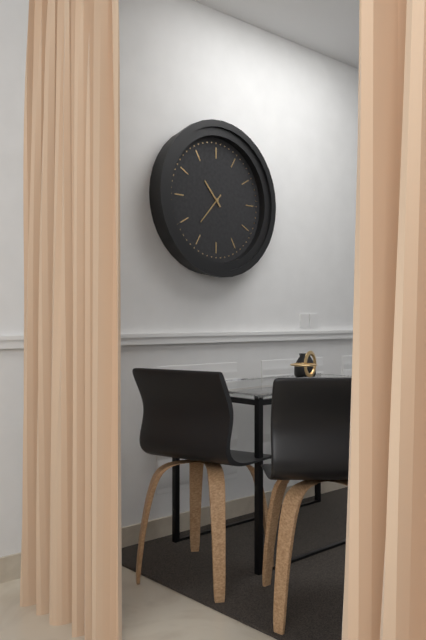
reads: 10,37
